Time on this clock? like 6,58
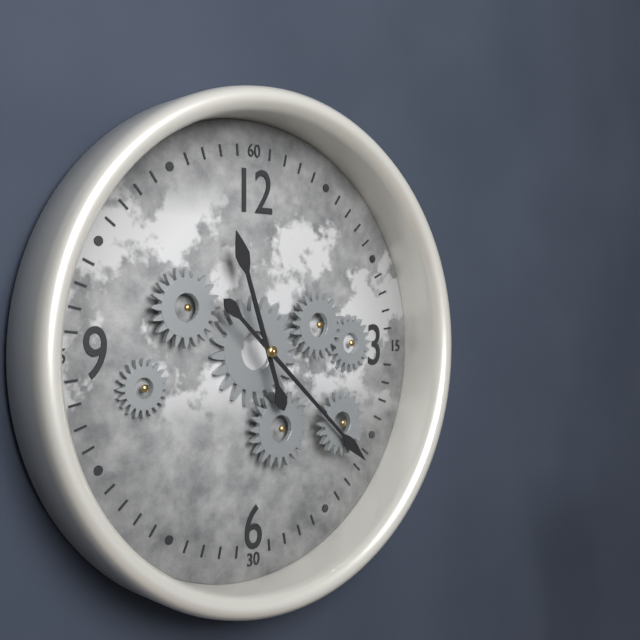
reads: 11,22
